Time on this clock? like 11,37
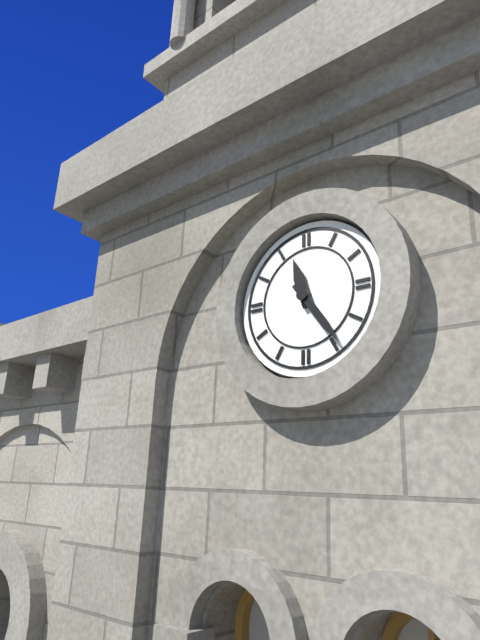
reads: 11,24
